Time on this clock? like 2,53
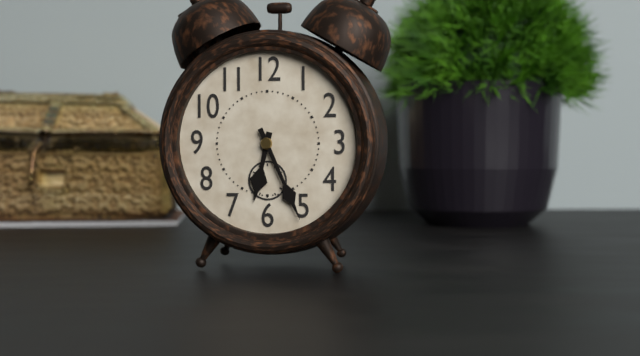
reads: 6,26
